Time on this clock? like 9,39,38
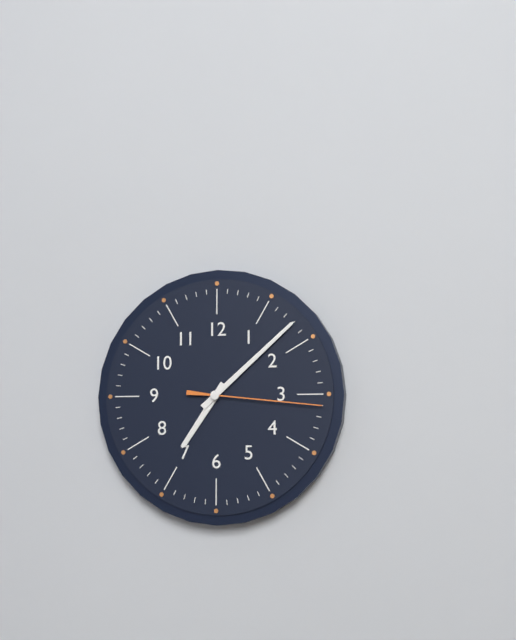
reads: 7,08,16
